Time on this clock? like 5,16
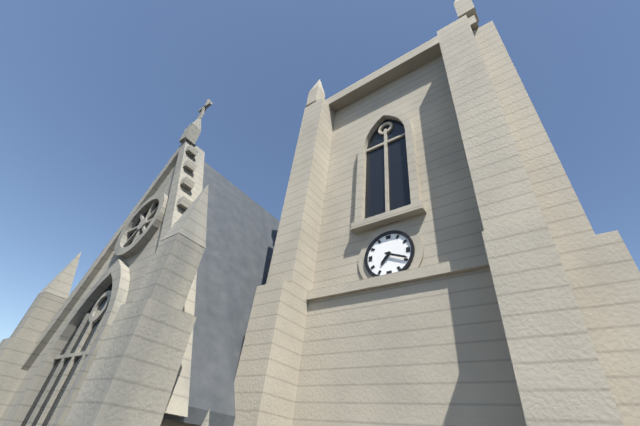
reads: 7,19
